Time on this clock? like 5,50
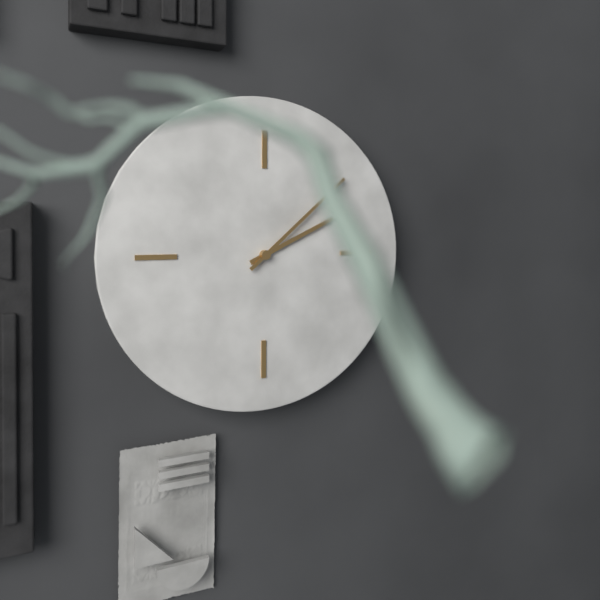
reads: 2,08
